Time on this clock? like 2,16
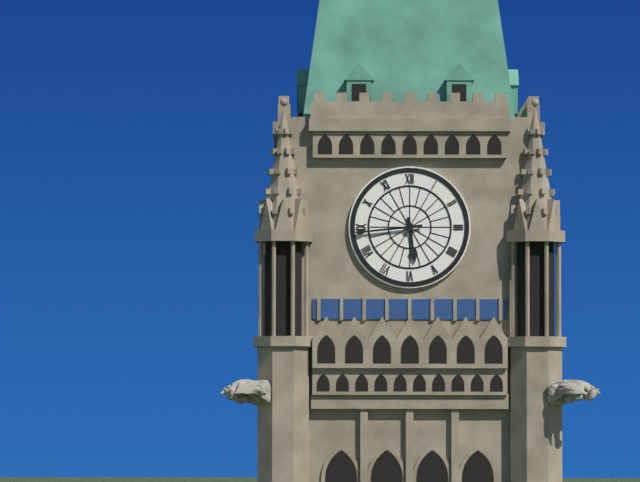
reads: 5,44
